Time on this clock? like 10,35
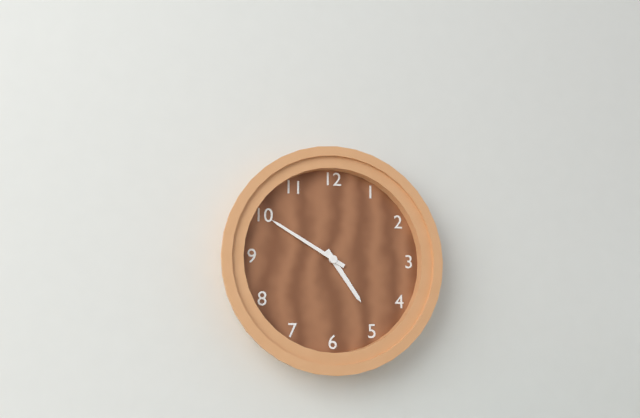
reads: 4,50
